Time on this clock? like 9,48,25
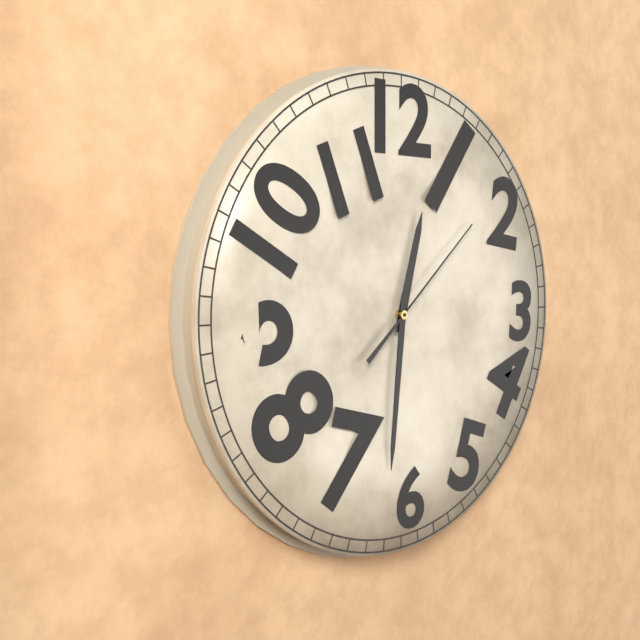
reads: 12,31,08
